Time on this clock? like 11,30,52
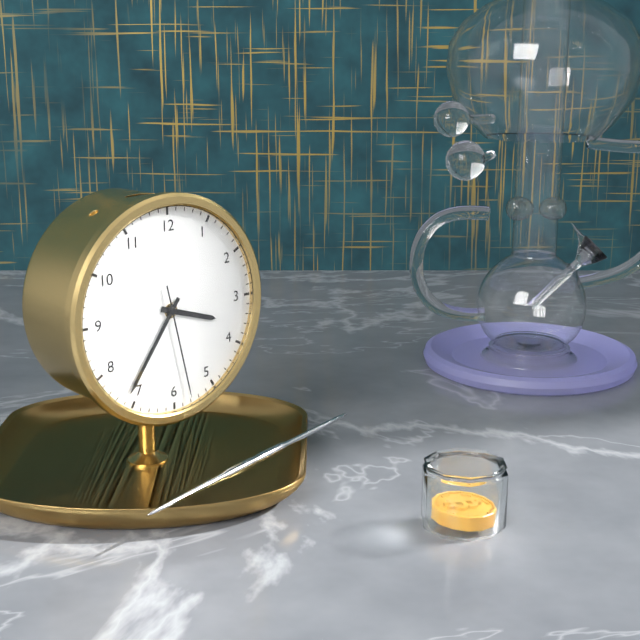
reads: 3,36,28
